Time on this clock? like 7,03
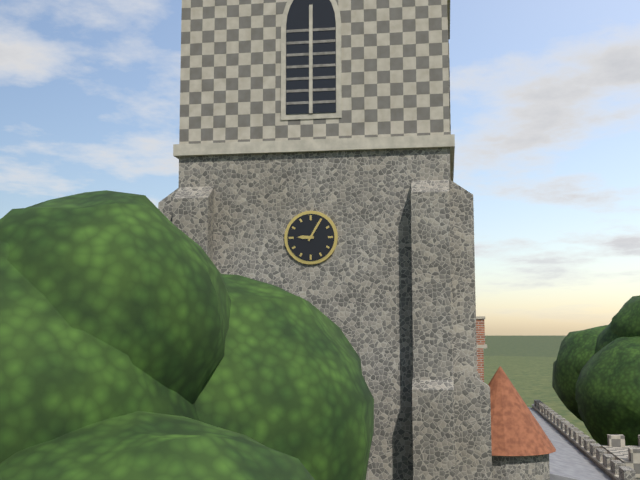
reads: 9,05
